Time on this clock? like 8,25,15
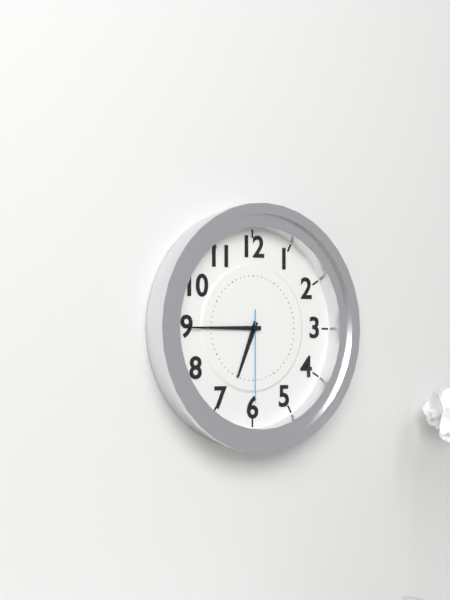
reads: 6,45,30
